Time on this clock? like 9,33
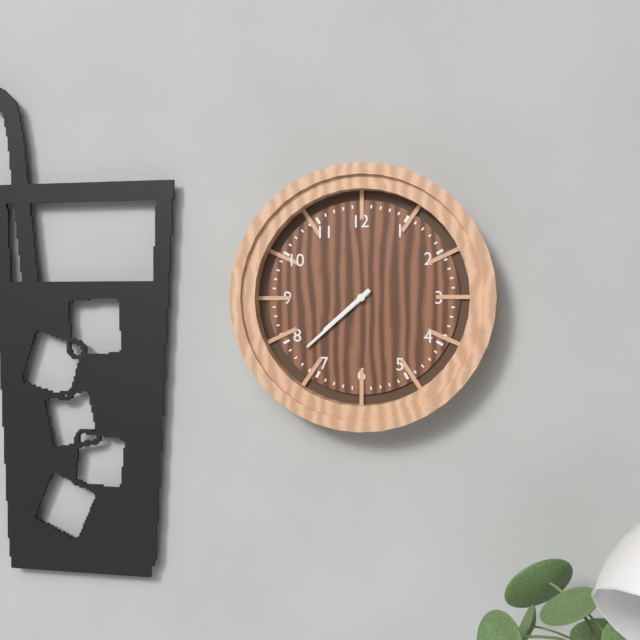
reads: 7,38
